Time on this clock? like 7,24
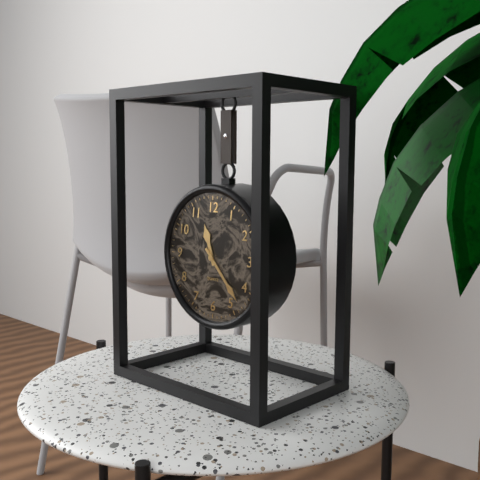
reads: 11,23
